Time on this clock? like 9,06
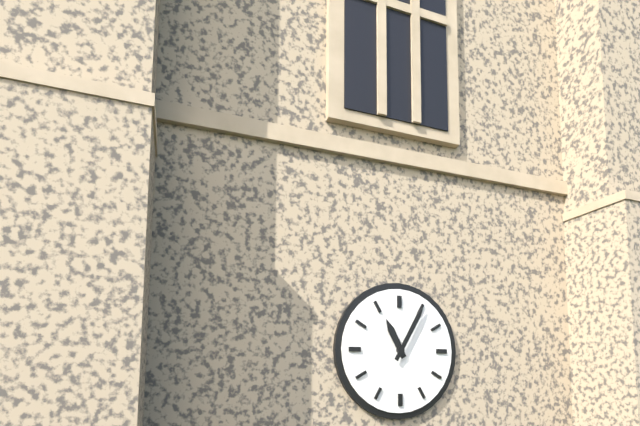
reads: 11,05
